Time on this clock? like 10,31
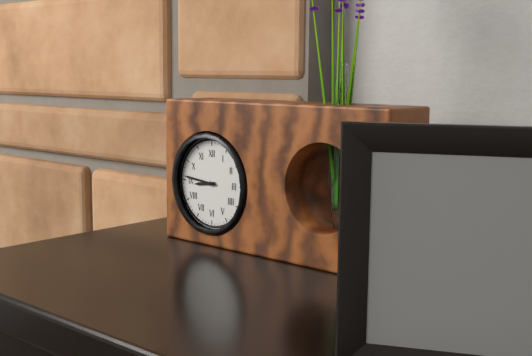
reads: 8,46
